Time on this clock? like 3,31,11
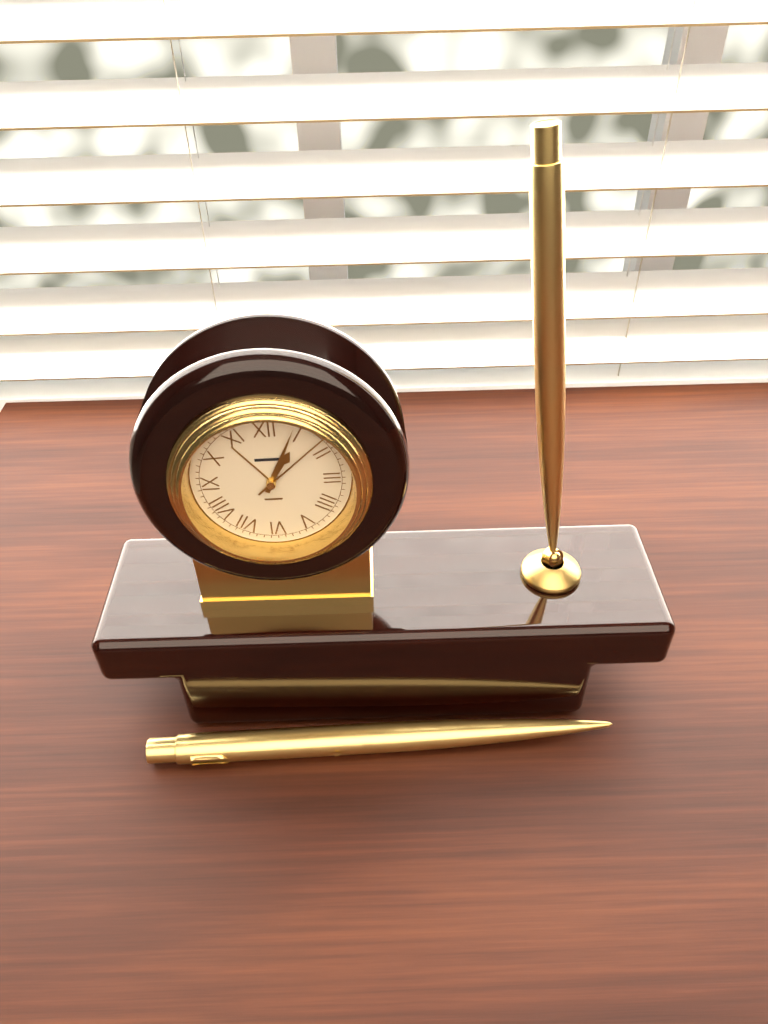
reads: 1,04,08
